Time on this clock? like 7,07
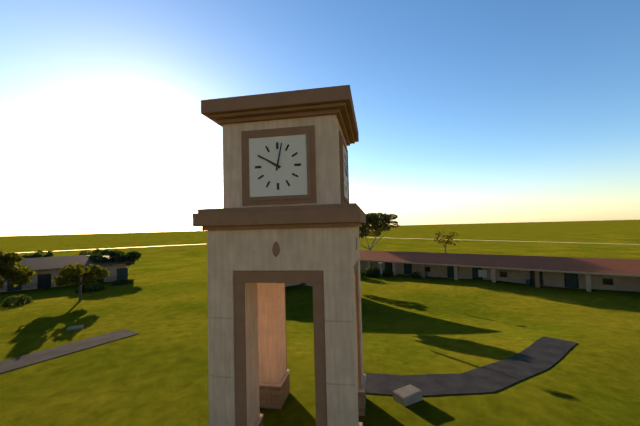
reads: 10,02
